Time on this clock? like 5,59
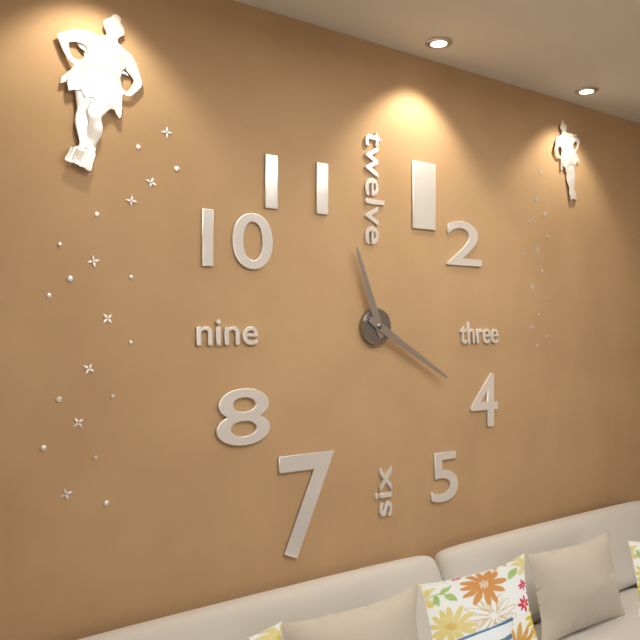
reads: 11,20
